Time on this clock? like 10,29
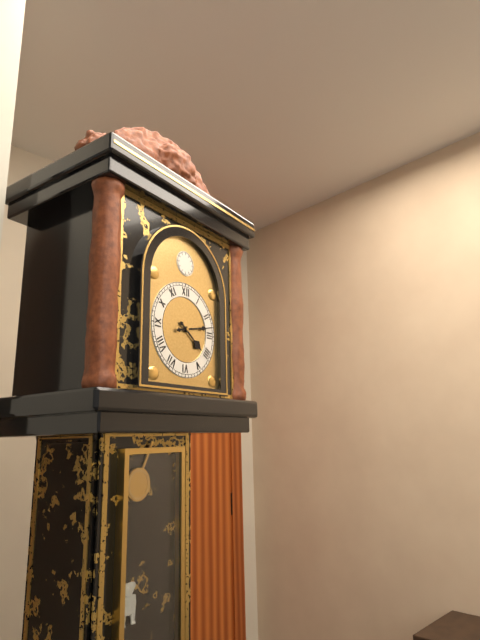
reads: 4,13
